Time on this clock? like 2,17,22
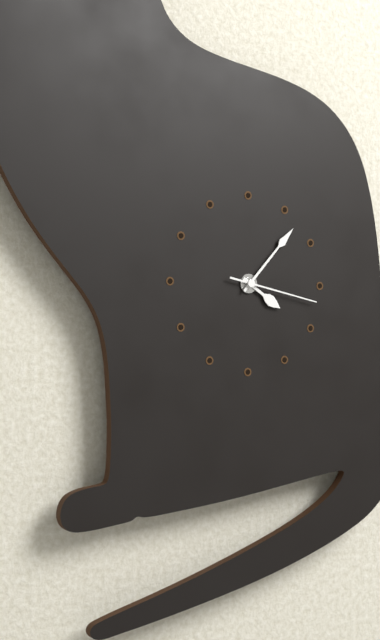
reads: 4,07,17
